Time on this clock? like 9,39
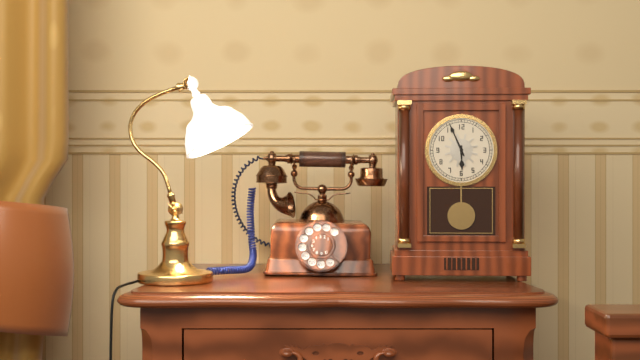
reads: 5,56
